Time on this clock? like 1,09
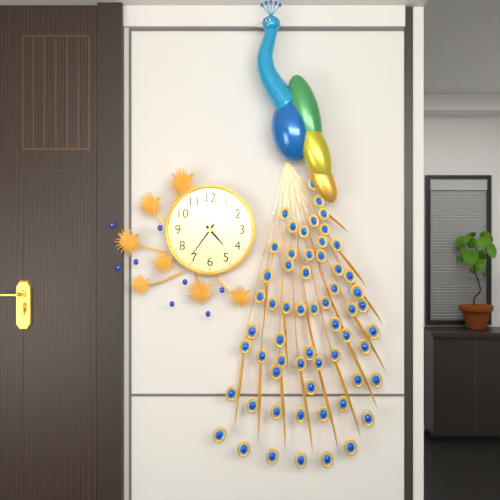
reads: 4,36
